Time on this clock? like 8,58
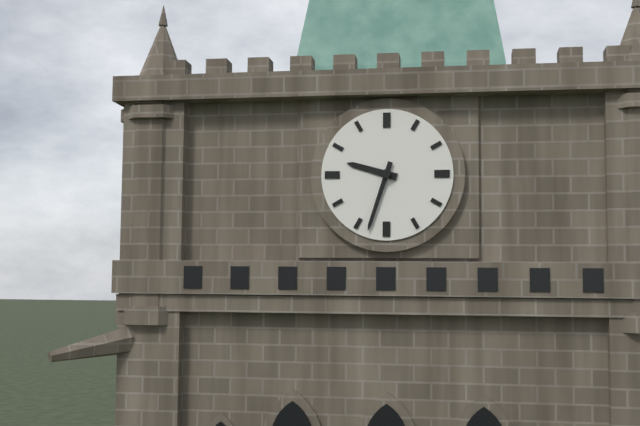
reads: 9,33
